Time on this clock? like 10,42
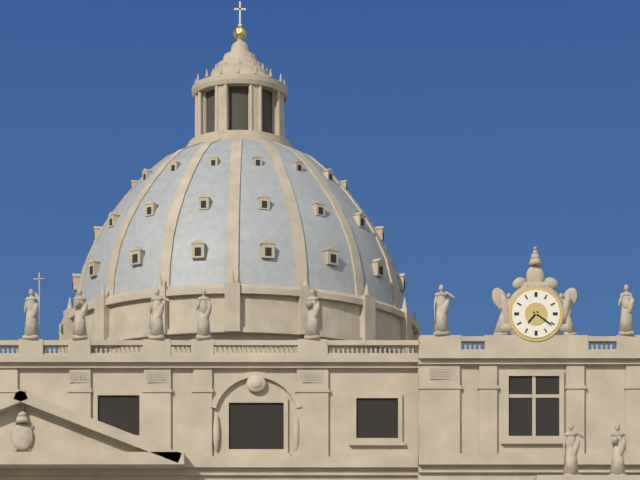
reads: 7,21
